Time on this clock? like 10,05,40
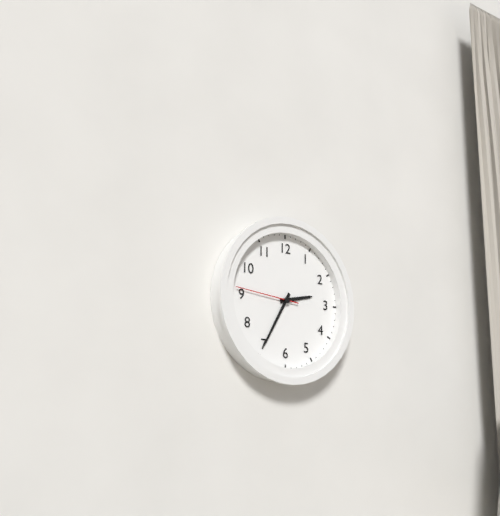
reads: 2,35,46
